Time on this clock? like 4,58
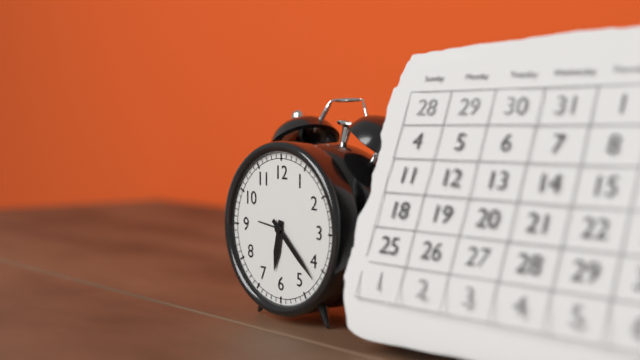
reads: 6,22
